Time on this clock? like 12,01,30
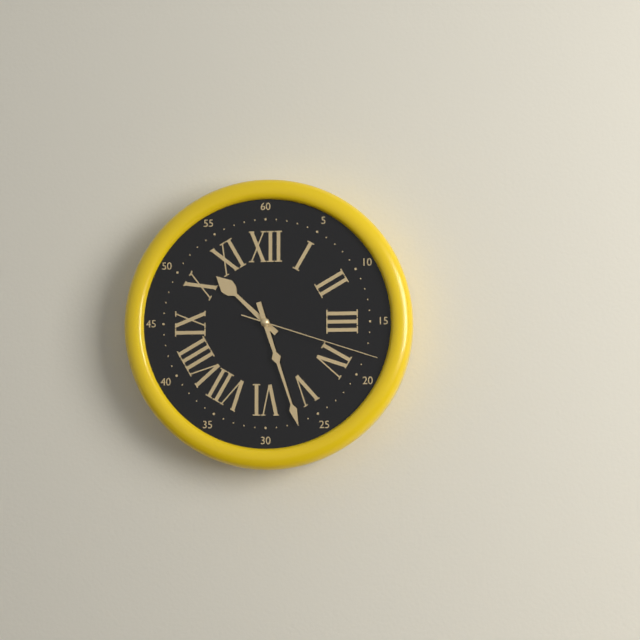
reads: 10,27,18
